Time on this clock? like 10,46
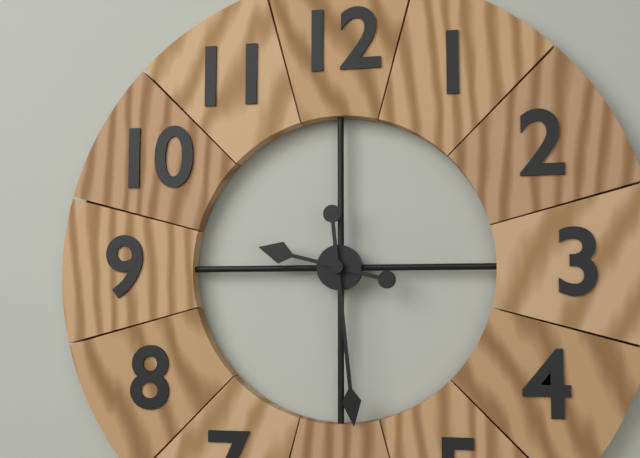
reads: 9,29
